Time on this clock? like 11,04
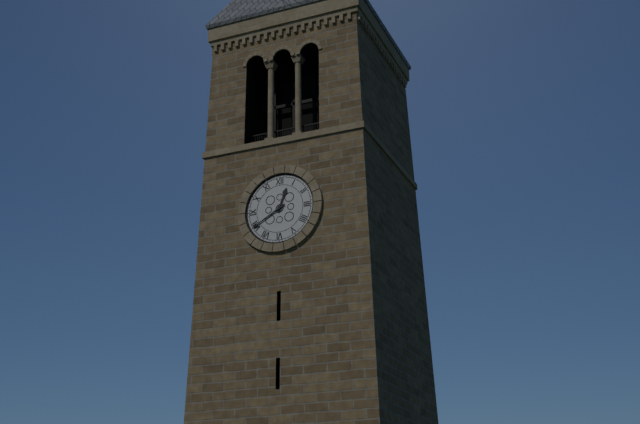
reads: 12,40
